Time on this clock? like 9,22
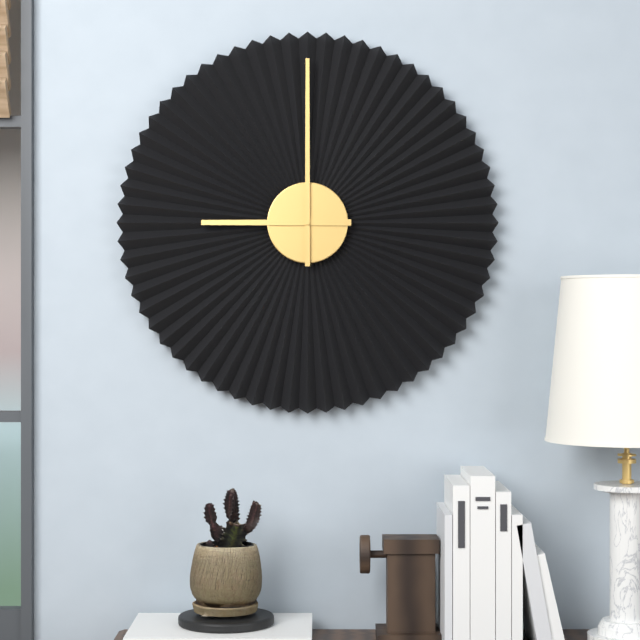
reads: 9,00
